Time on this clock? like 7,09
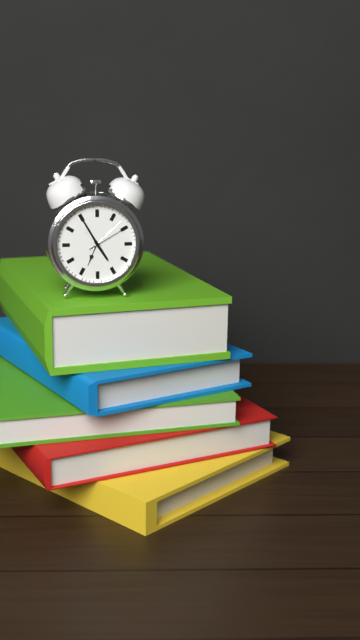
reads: 4,55
